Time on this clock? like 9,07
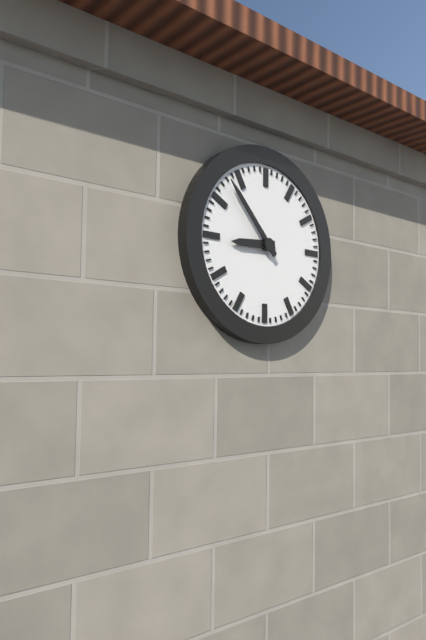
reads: 8,53
